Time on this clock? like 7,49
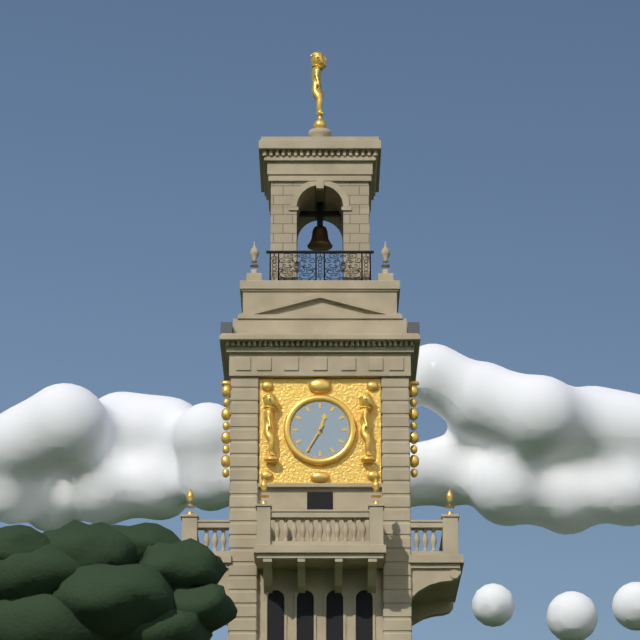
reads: 12,35
